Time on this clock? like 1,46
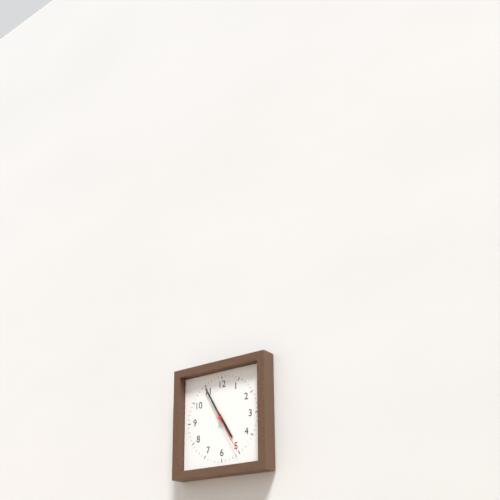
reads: 4,55
